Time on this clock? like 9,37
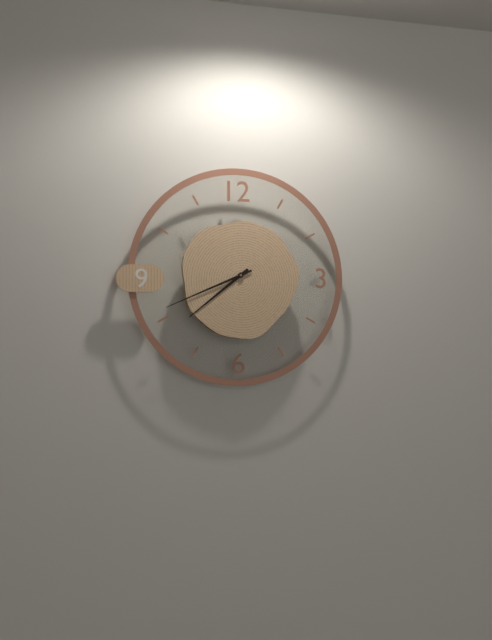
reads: 7,41
